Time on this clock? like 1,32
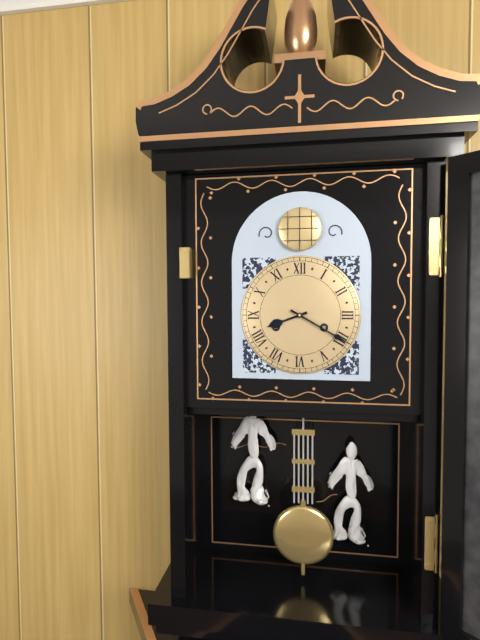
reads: 8,20
